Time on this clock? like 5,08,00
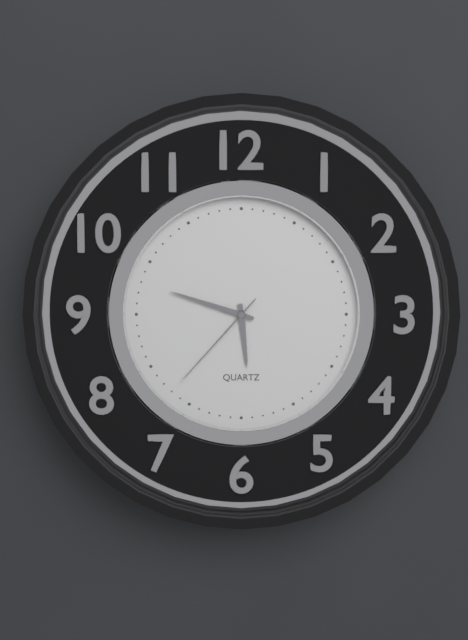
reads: 5,48,37
